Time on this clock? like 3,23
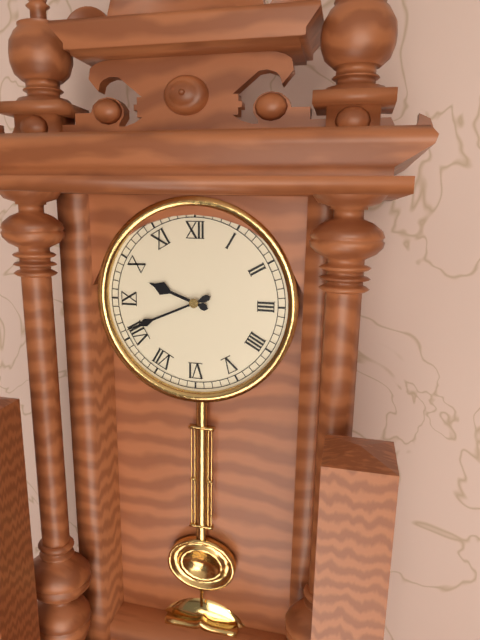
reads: 9,41
